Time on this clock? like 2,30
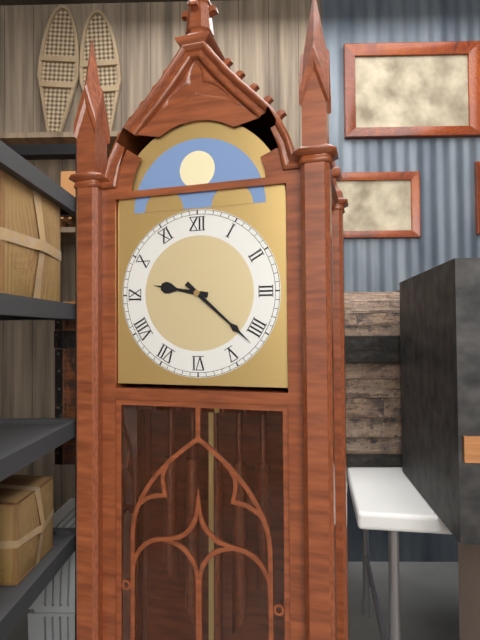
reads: 9,22
